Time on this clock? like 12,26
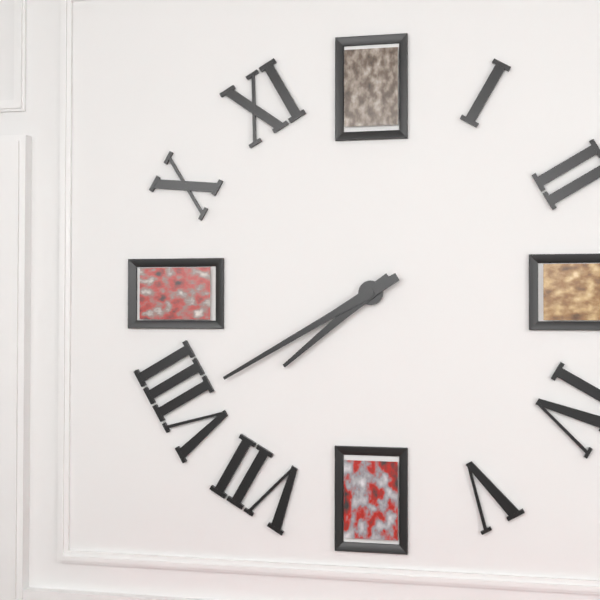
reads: 7,40
